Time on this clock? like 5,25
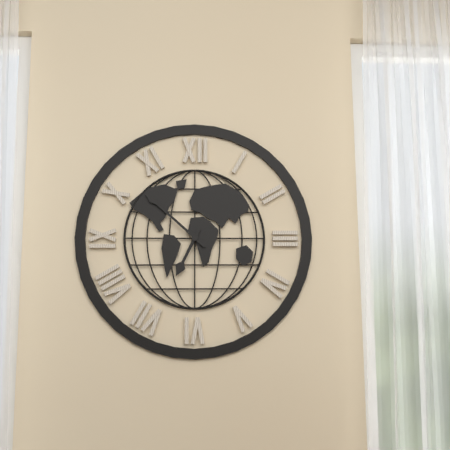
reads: 6,52
